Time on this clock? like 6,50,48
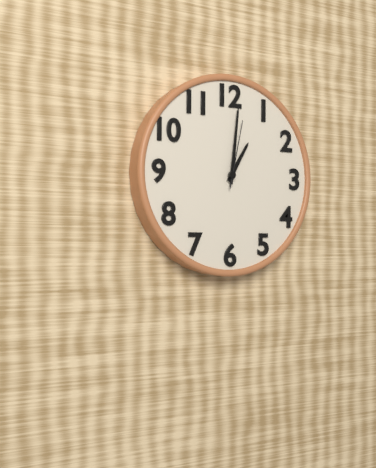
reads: 1,01,02
